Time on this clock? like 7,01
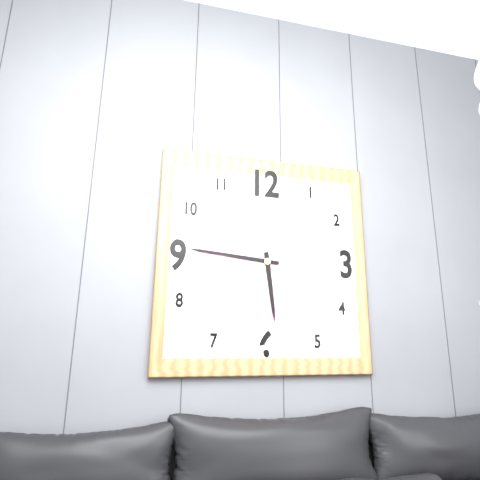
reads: 5,46
